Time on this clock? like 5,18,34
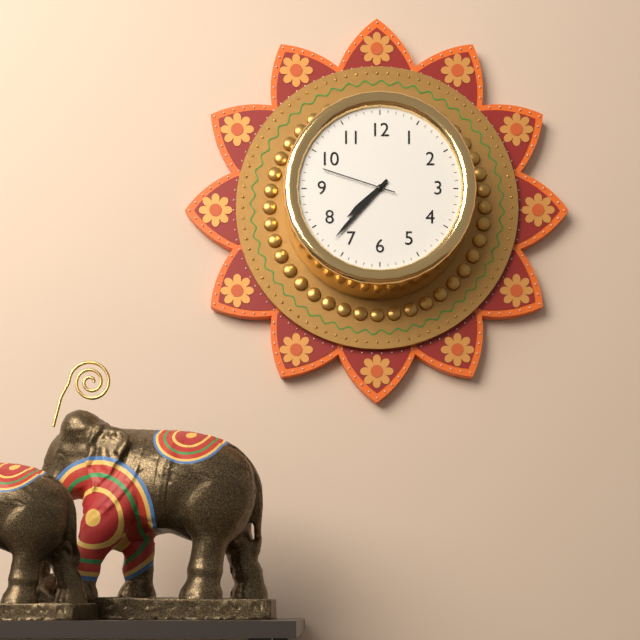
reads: 7,37,48
